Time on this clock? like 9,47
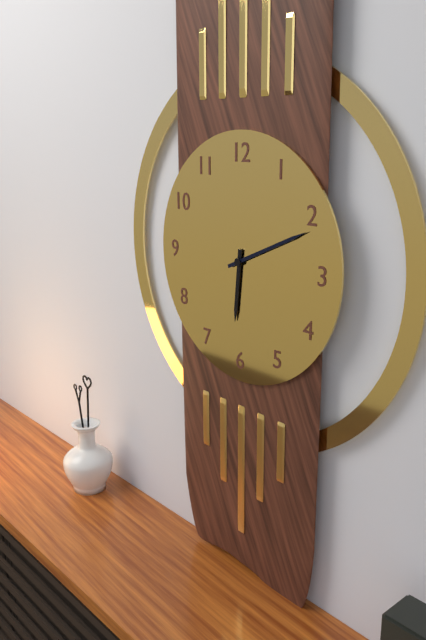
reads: 6,11
